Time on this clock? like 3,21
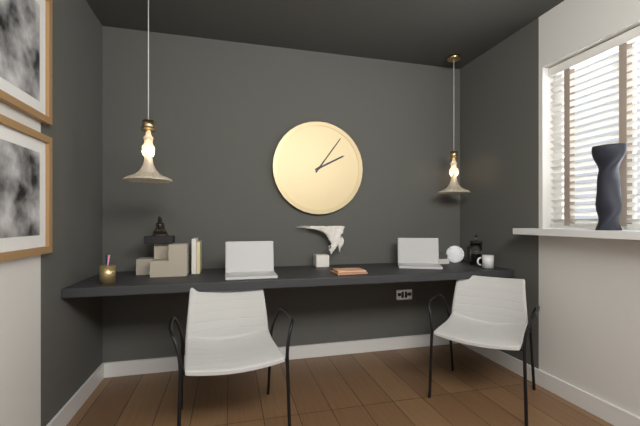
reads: 2,06
